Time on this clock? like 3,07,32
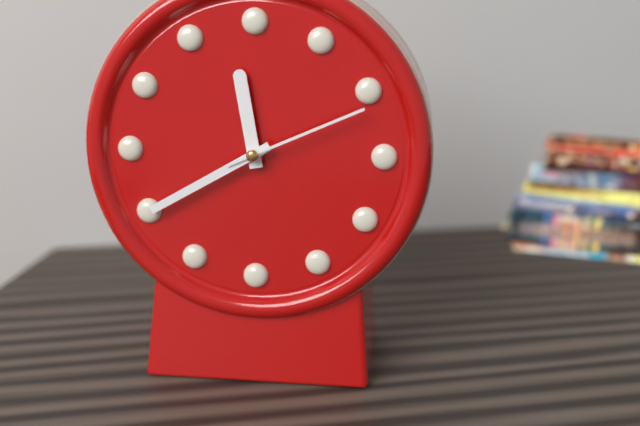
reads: 11,40,11
